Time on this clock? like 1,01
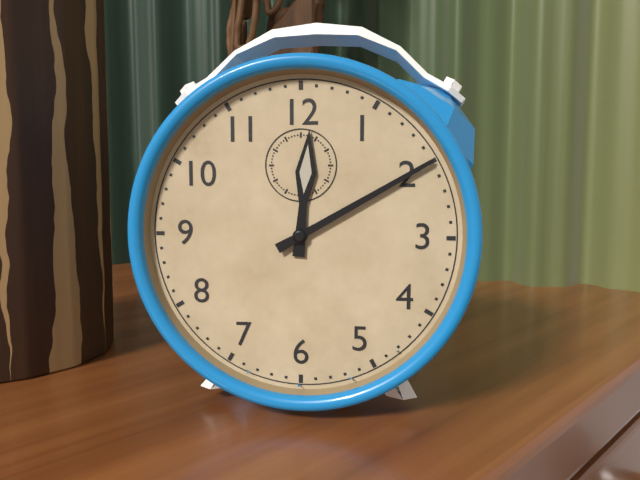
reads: 12,10
